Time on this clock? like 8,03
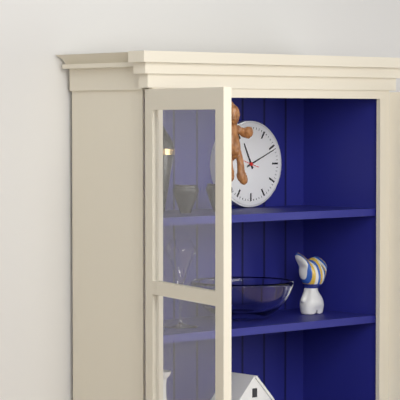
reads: 11,11
